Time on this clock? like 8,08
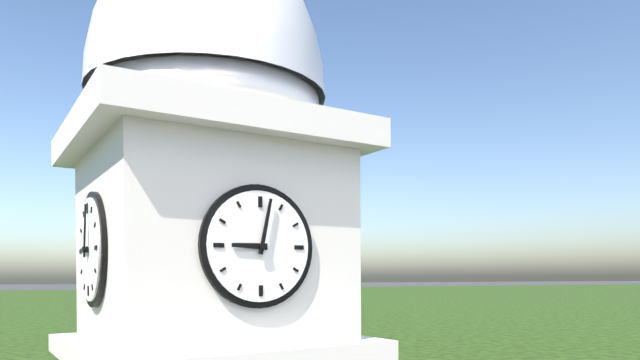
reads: 9,02
